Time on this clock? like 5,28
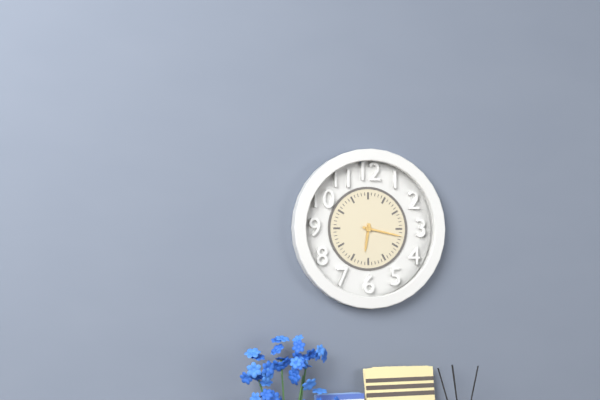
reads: 6,17
